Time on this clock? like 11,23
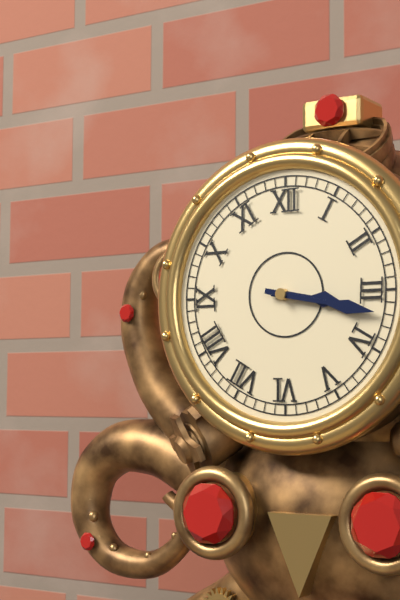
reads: 3,17
